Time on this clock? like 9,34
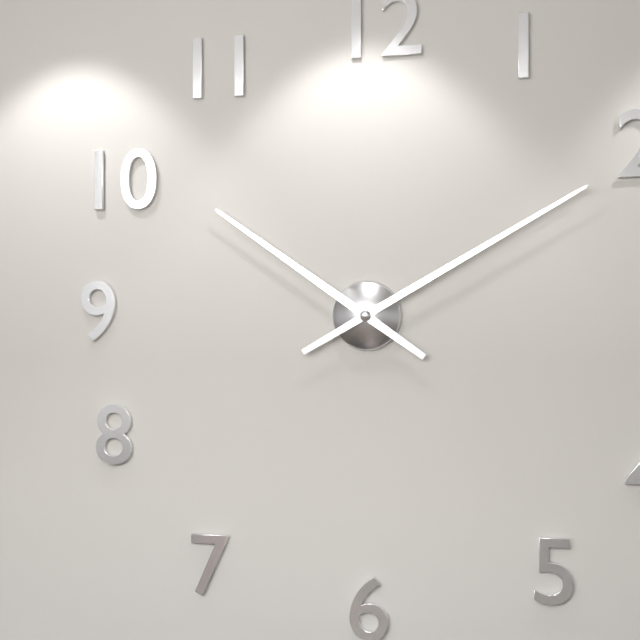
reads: 10,10
